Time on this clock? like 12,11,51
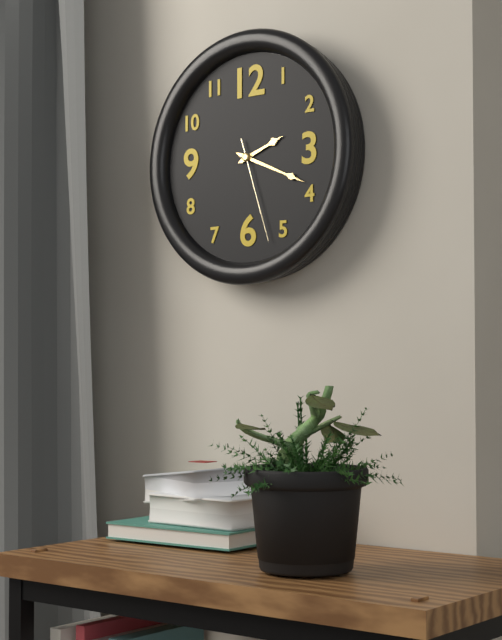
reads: 2,19,27
